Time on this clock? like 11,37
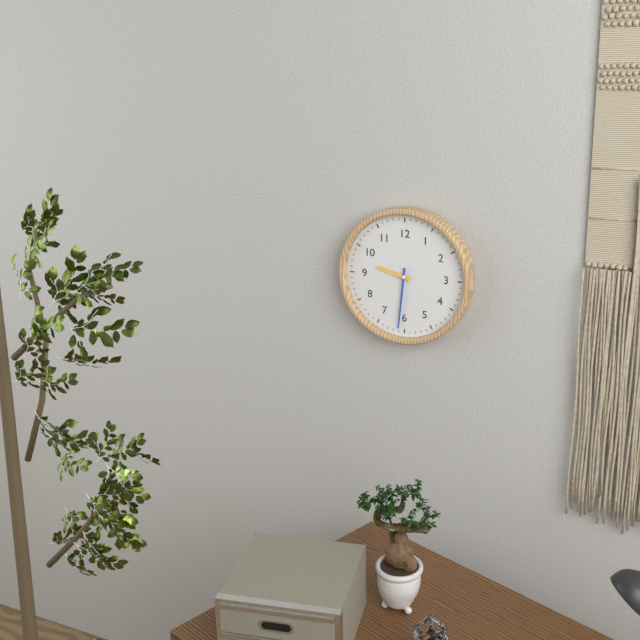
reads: 9,31
